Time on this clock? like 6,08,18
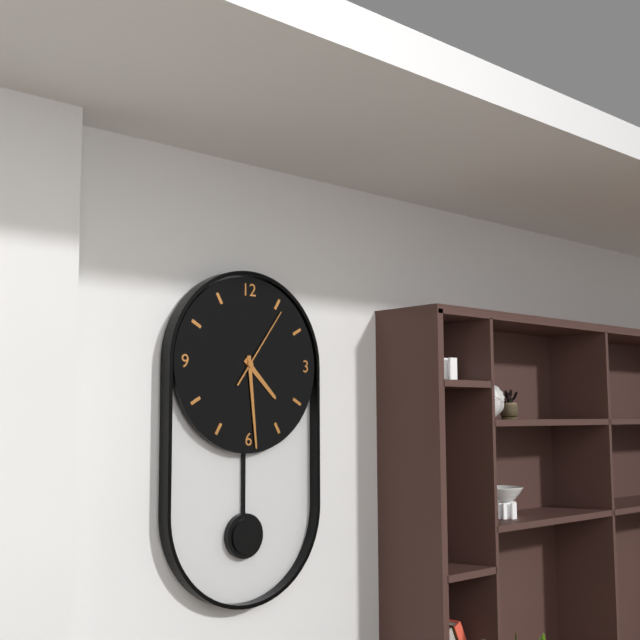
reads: 4,29,06
